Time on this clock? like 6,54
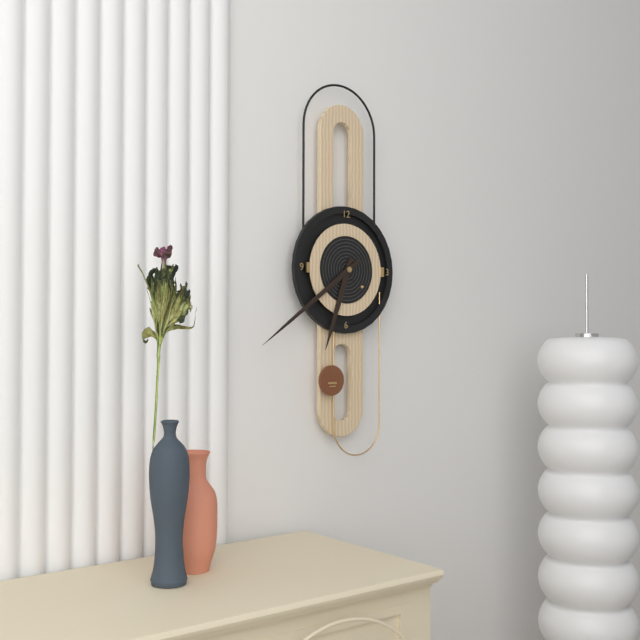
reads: 6,39
